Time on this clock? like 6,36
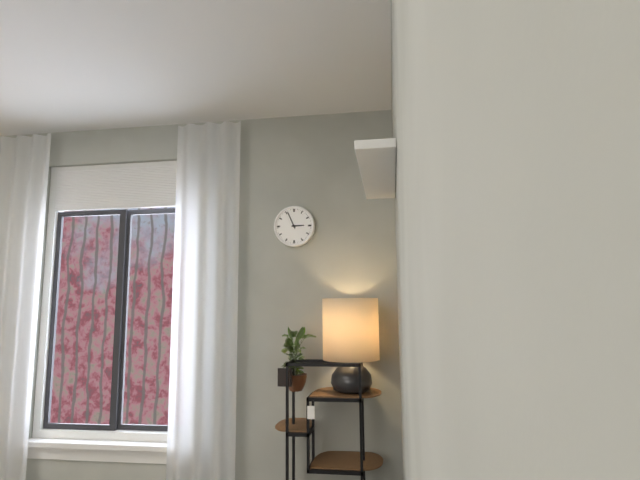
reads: 2,56
